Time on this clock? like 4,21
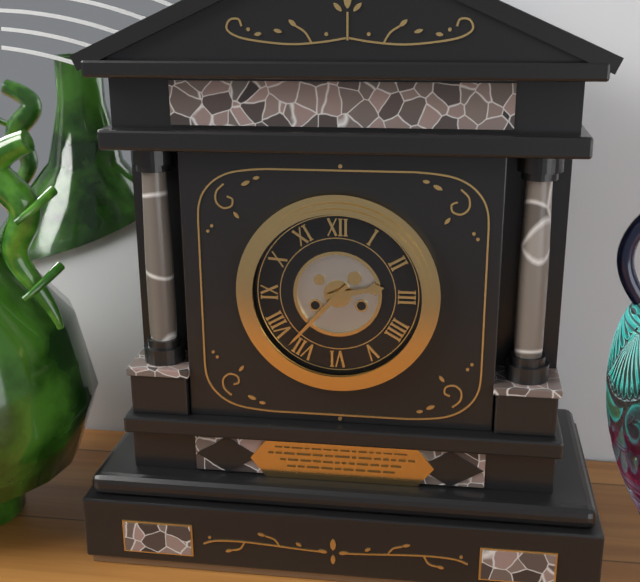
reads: 2,37
